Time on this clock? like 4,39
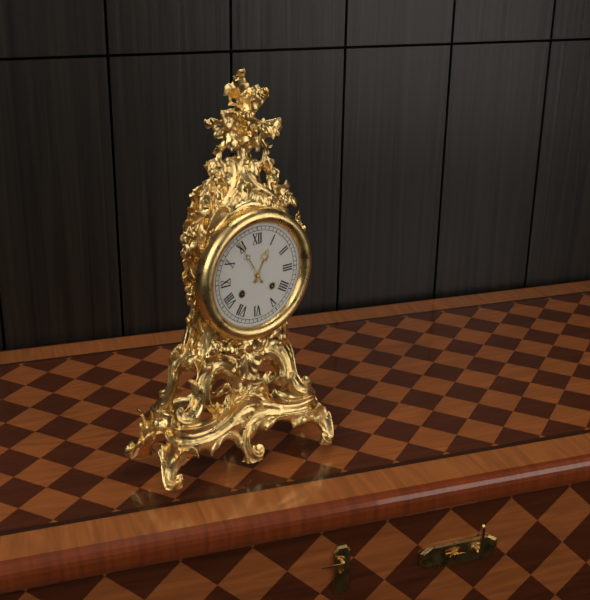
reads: 12,55
